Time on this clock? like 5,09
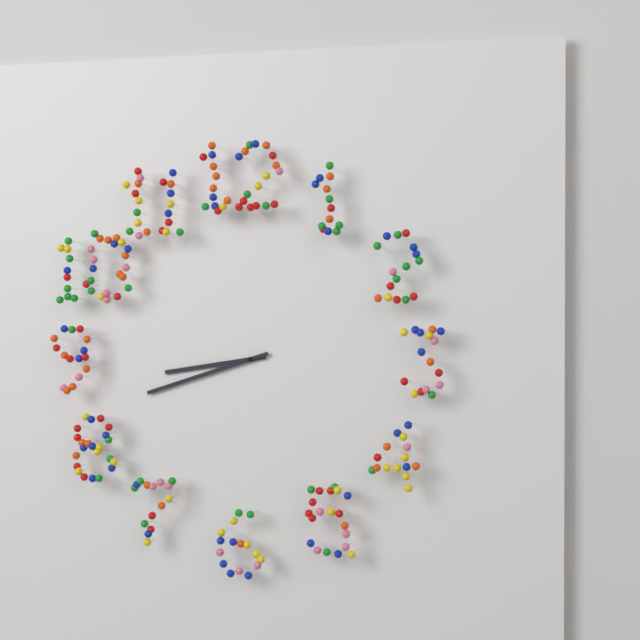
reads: 8,42
